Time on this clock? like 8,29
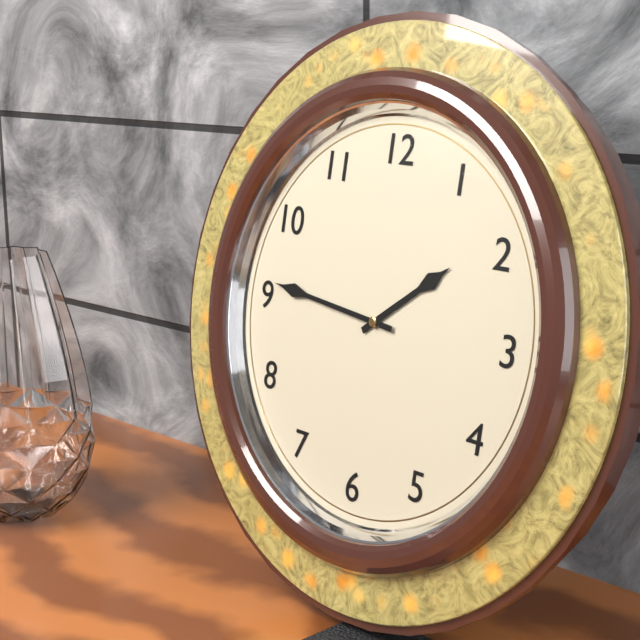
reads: 1,46
